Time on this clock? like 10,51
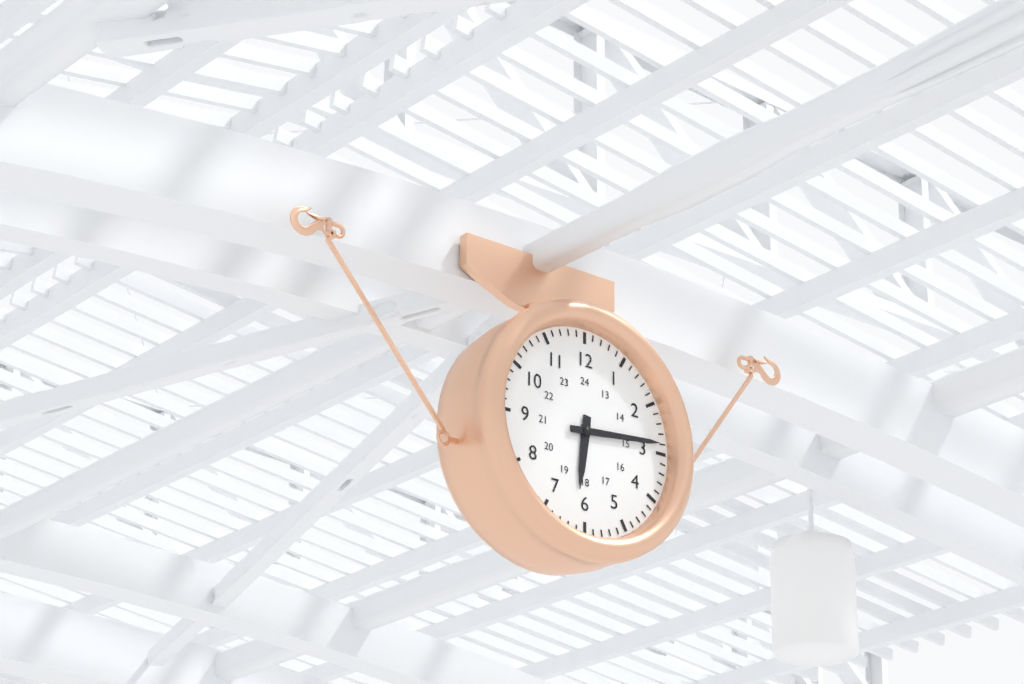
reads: 6,14
